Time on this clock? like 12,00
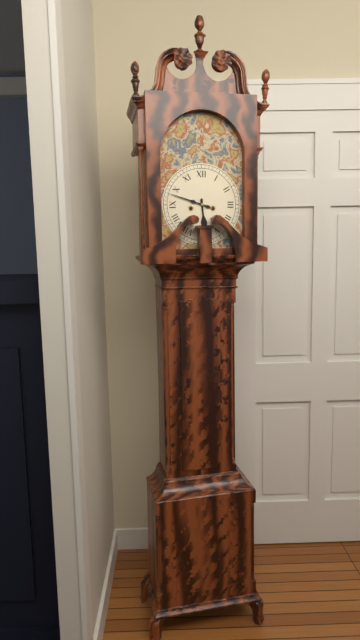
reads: 5,48
